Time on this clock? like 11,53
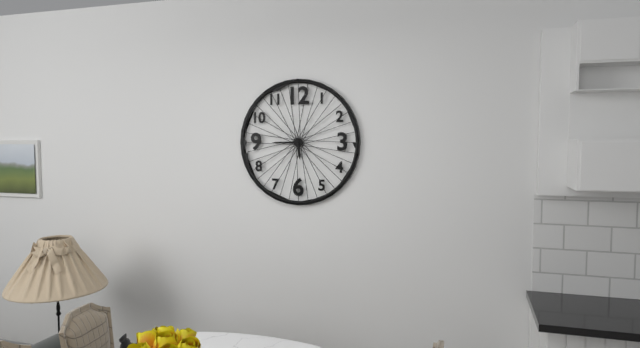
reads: 5,45
